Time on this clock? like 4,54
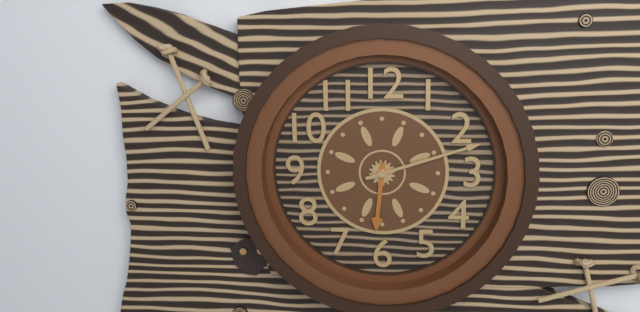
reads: 6,12
